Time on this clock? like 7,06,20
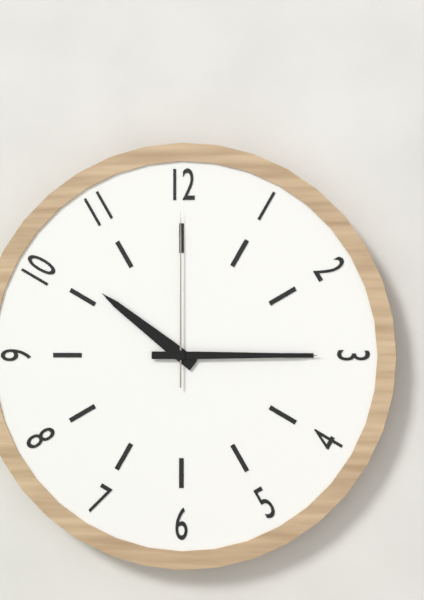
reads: 10,15,00
